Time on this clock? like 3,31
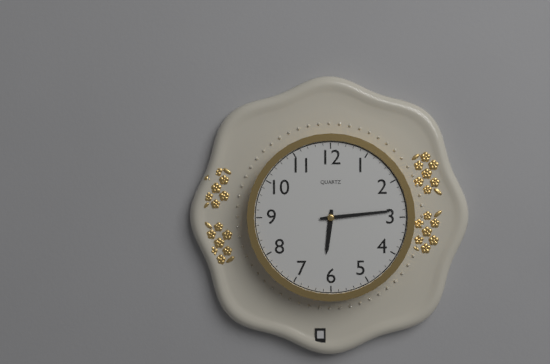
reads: 6,14
